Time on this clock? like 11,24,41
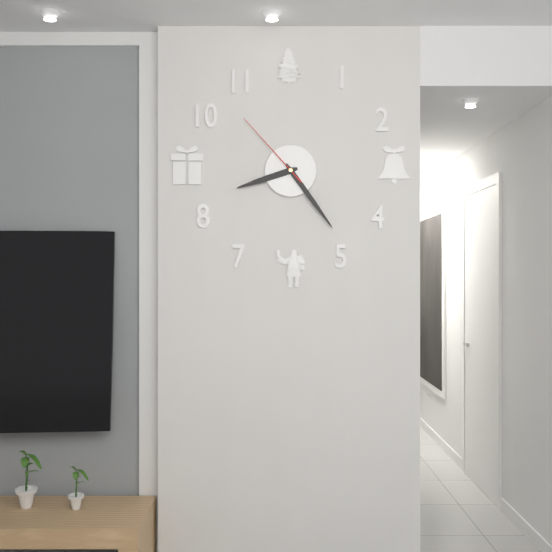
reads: 8,24,53
